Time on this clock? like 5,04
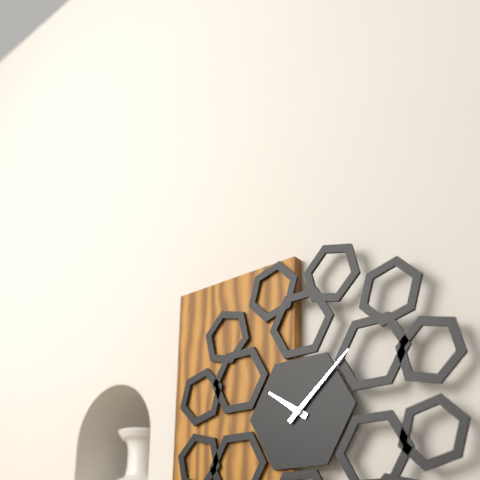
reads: 10,08
